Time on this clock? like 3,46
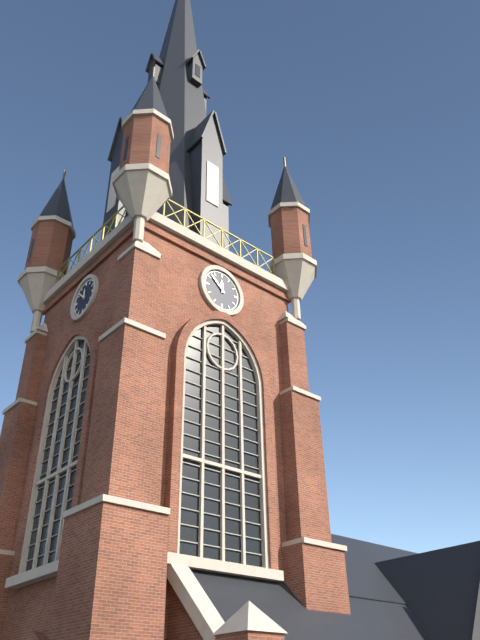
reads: 11,52
